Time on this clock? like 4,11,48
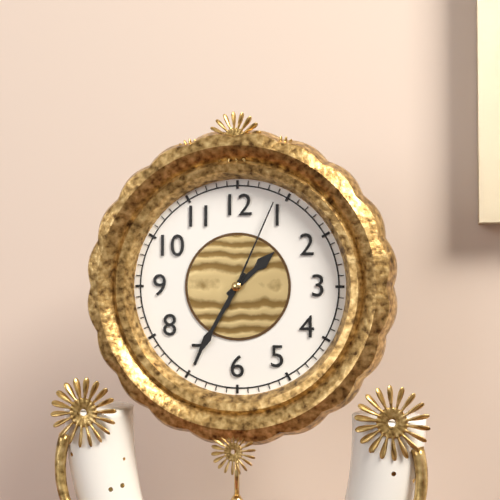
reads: 1,35,04
